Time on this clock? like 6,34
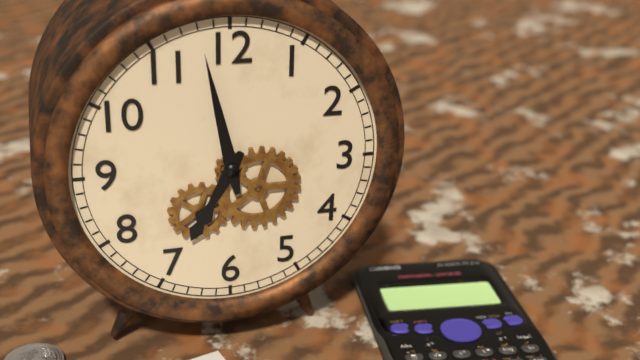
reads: 6,58
